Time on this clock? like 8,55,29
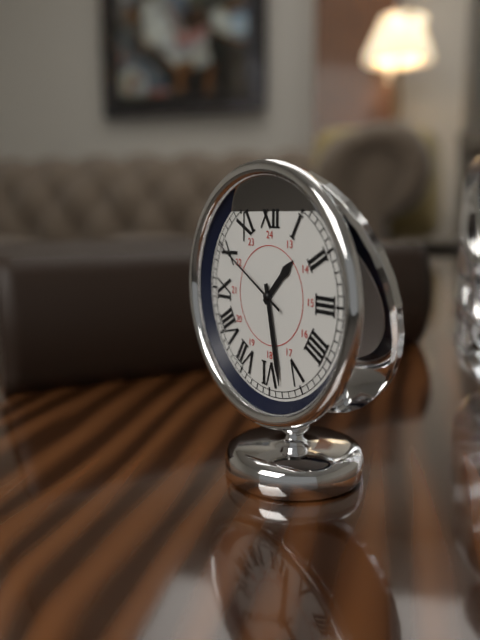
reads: 1,28,50
